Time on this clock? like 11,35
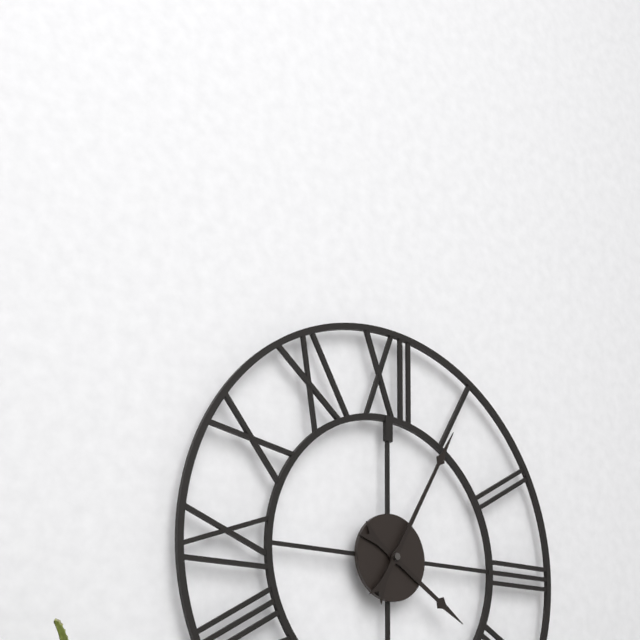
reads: 4,05
